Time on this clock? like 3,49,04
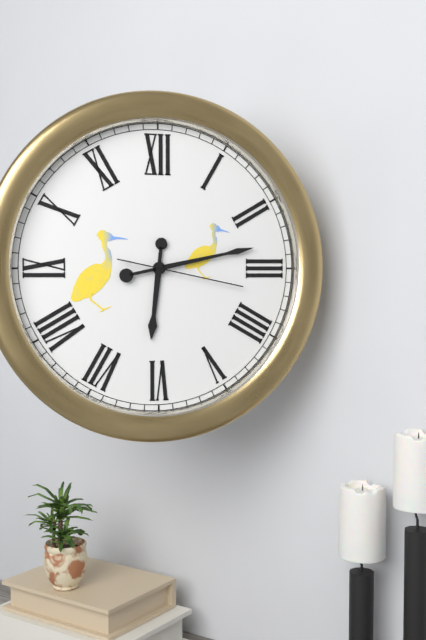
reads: 6,13,17
